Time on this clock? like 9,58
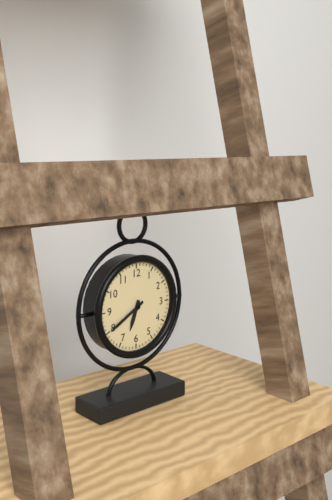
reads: 6,40
